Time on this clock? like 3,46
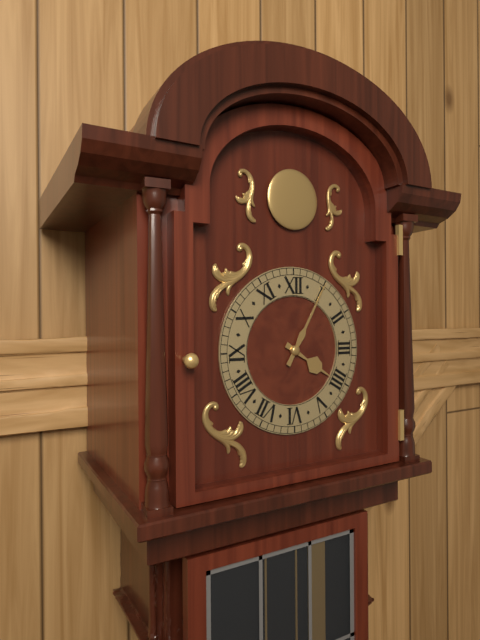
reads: 4,05
